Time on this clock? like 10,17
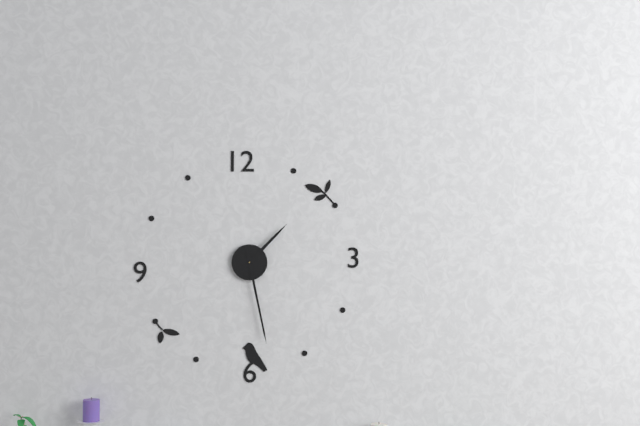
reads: 1,28
